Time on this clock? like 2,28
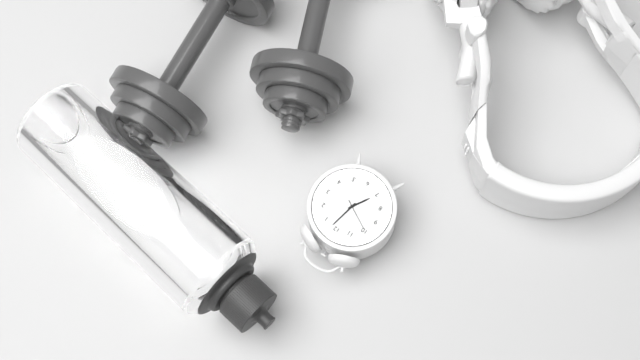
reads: 7,02
